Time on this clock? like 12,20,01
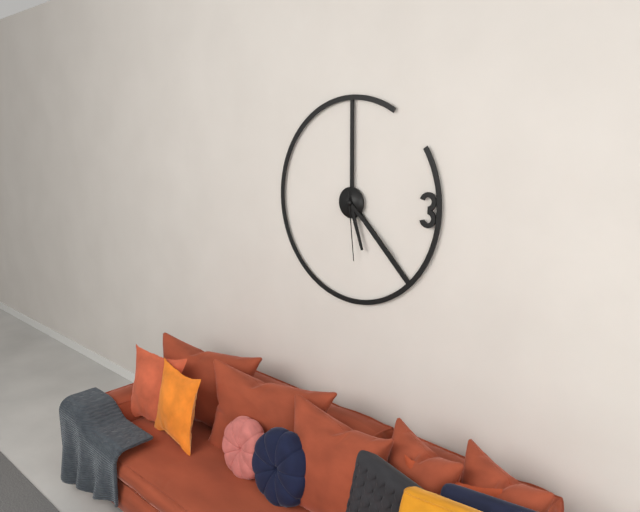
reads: 5,22,29
